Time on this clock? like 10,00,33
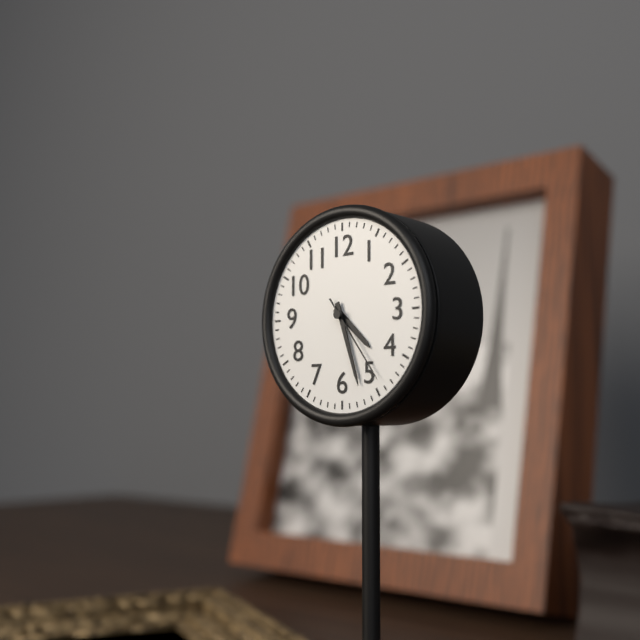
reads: 4,27,24
